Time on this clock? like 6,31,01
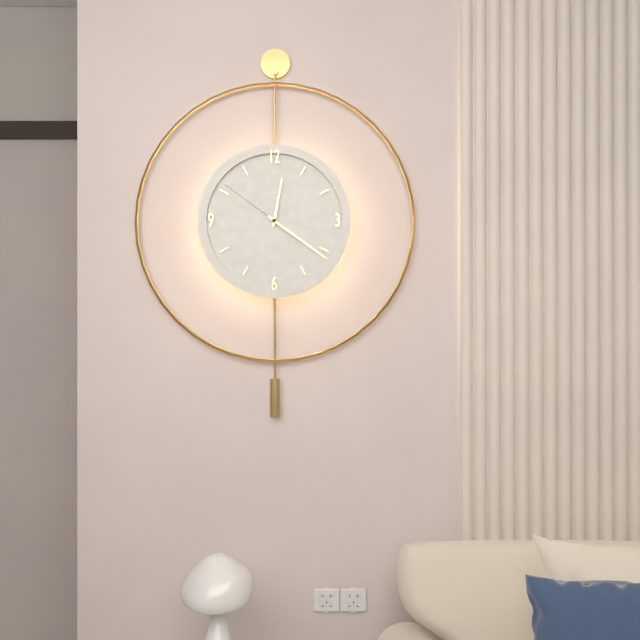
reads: 12,21,51
